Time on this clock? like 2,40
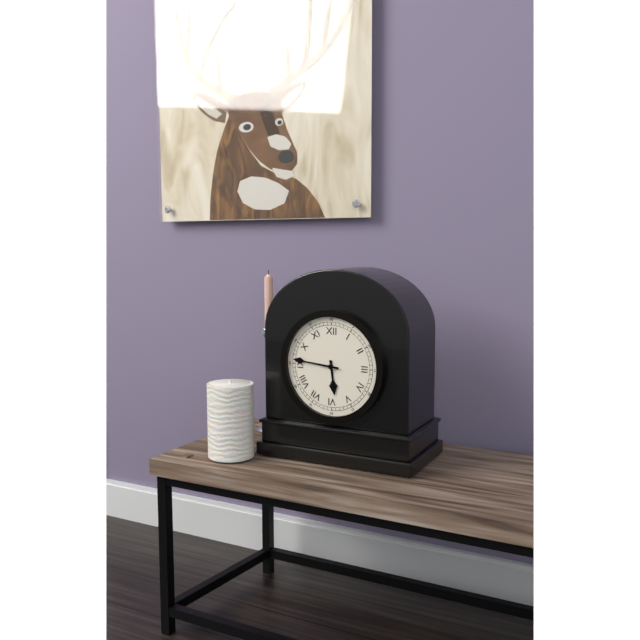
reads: 5,46
